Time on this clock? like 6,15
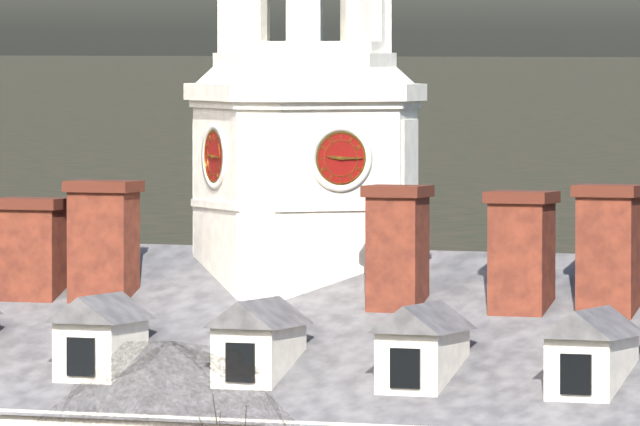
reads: 9,15
